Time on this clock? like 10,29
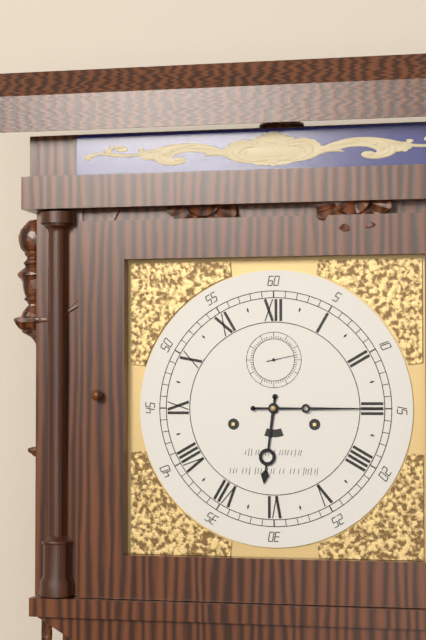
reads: 6,15
